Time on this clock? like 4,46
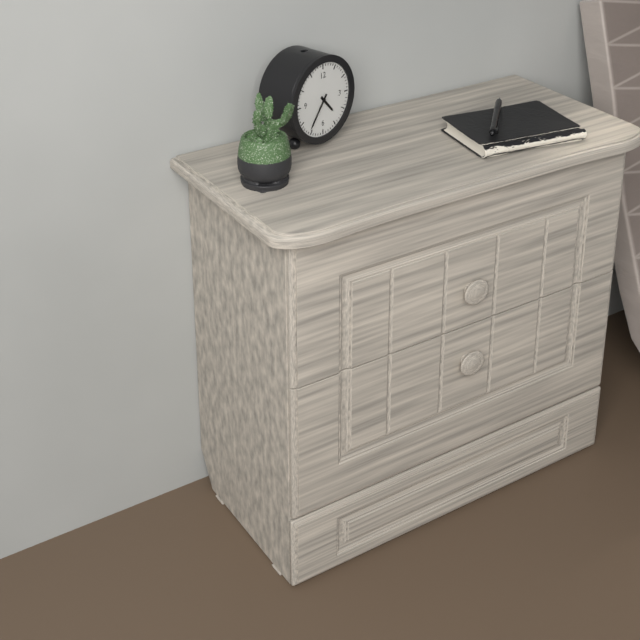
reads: 4,36
